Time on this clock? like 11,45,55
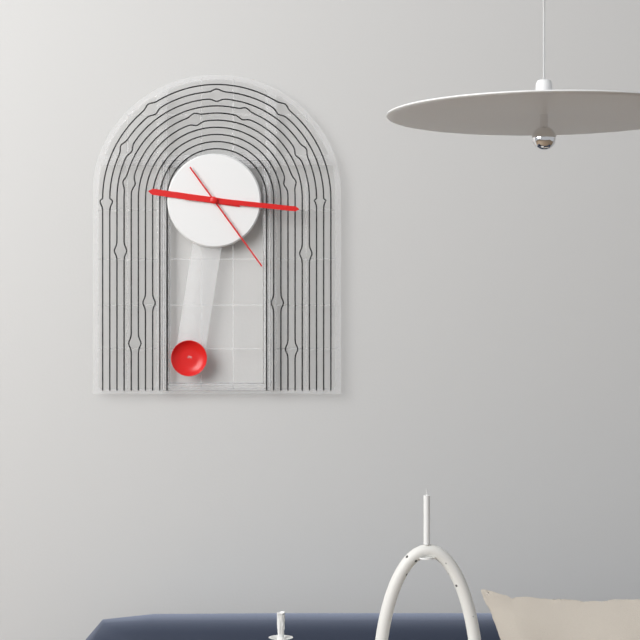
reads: 9,16,24
